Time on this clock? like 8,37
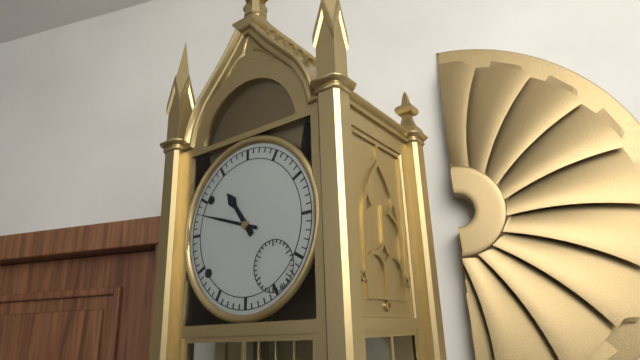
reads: 10,48
